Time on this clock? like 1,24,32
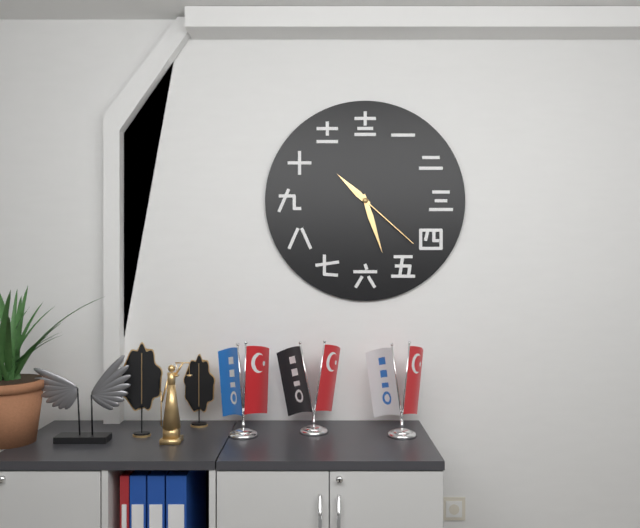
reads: 10,27,22
